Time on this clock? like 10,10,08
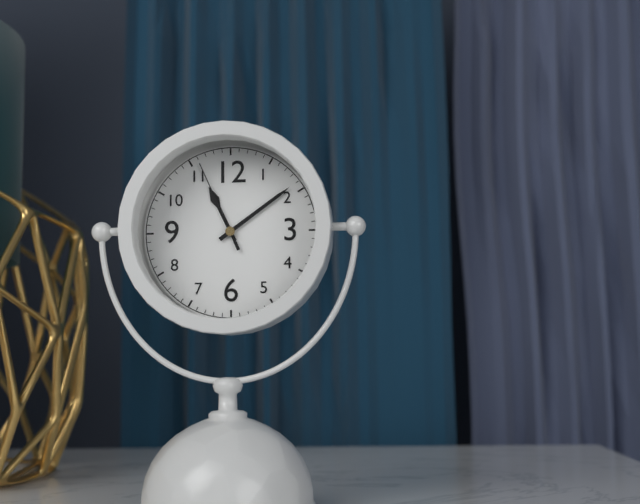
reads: 11,09,56
